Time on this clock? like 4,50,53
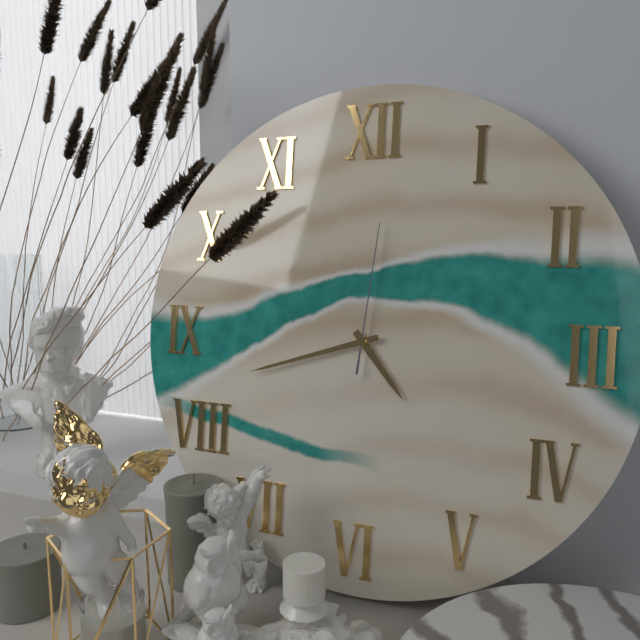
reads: 4,42,01
